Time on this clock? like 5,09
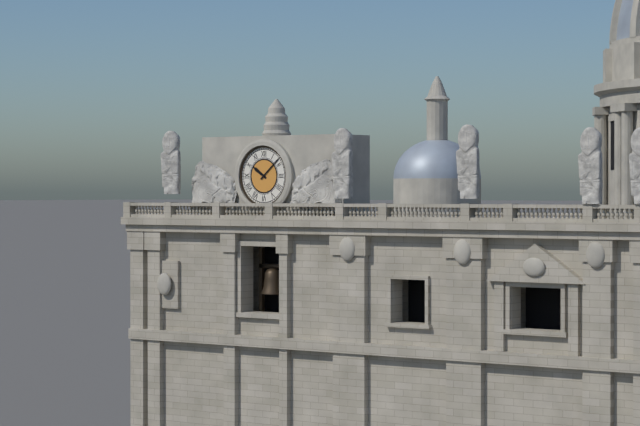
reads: 10,08
